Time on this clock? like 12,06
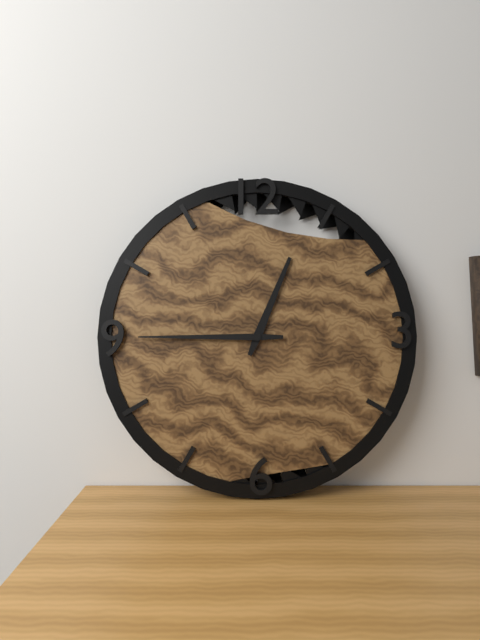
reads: 12,45
